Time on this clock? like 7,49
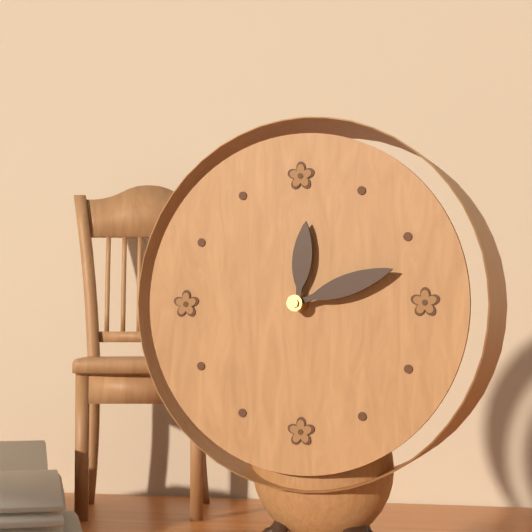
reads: 12,12
